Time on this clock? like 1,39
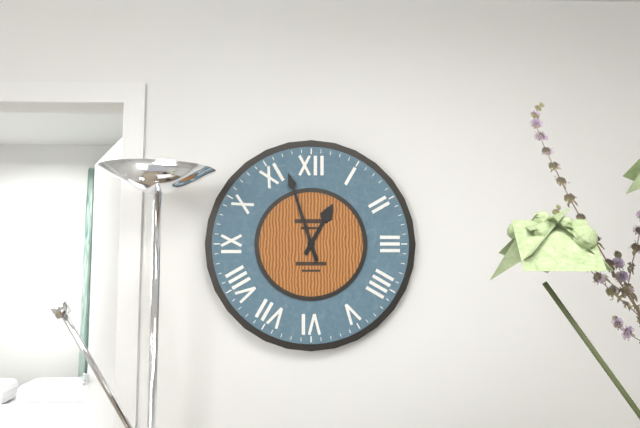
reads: 12,57
